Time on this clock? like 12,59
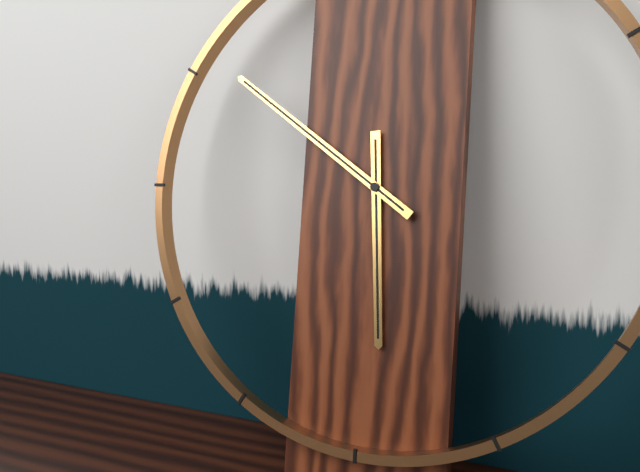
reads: 5,51
